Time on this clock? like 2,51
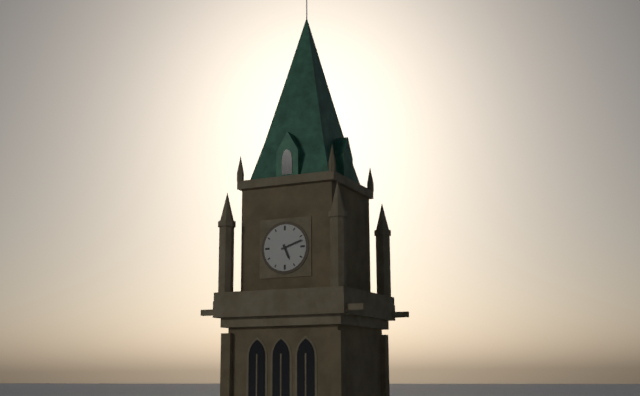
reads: 5,12
